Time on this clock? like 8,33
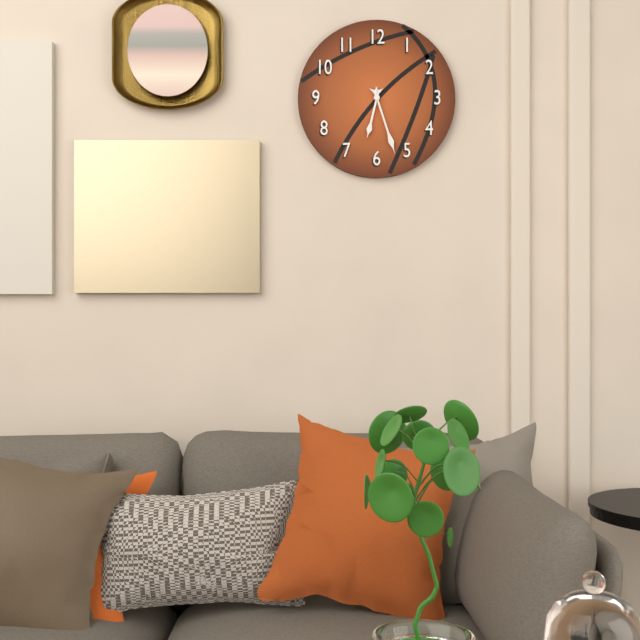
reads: 6,27
